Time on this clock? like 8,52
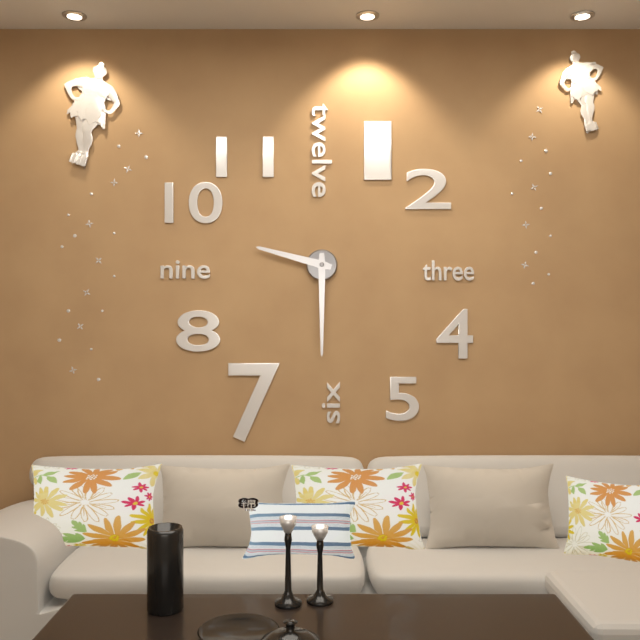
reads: 9,30
